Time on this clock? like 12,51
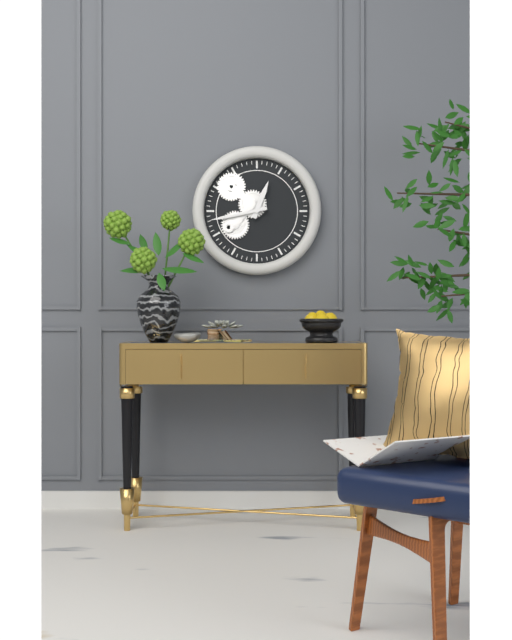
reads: 12,43
